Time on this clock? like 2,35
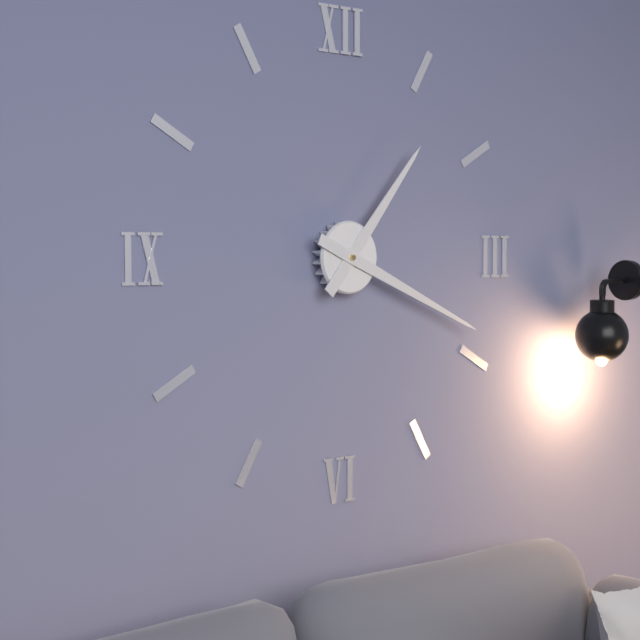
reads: 1,19
